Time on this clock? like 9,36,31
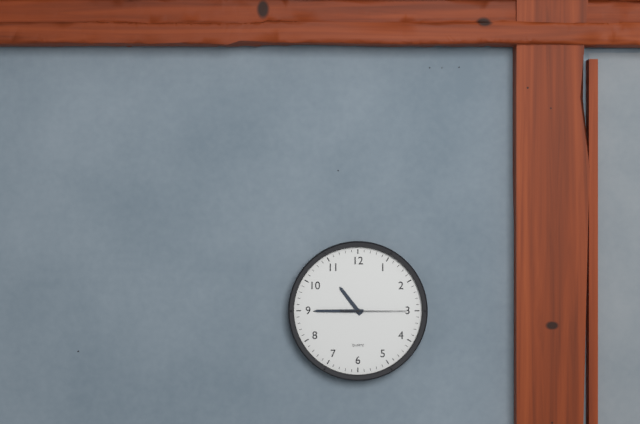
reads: 10,45,15
